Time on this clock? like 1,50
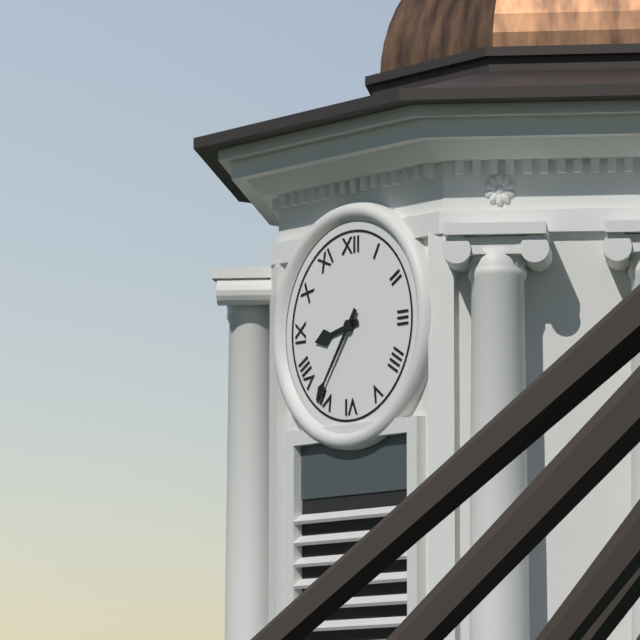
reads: 8,36
